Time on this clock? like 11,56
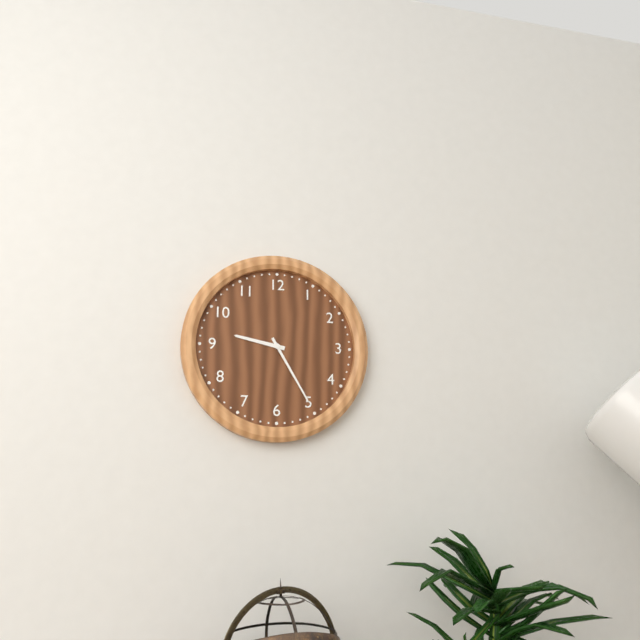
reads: 9,25
